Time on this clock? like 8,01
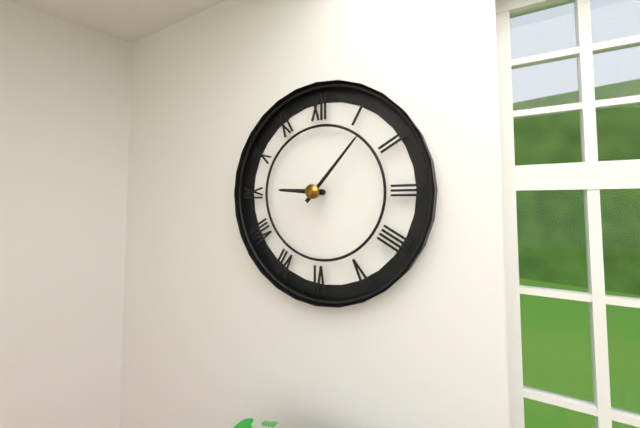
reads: 9,07
